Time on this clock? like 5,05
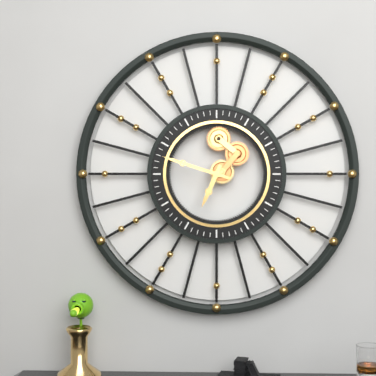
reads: 6,48
